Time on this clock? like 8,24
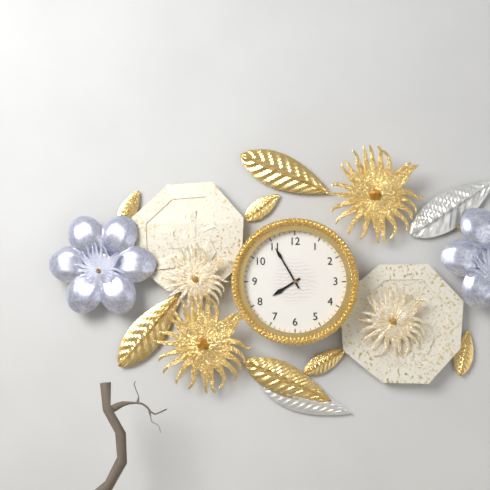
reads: 7,55
